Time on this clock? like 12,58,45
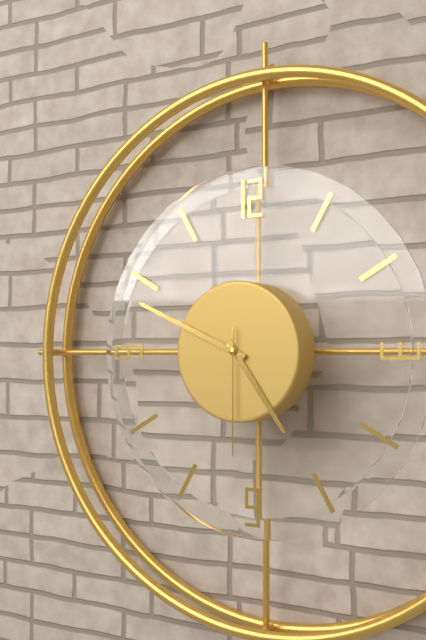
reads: 4,49,30
